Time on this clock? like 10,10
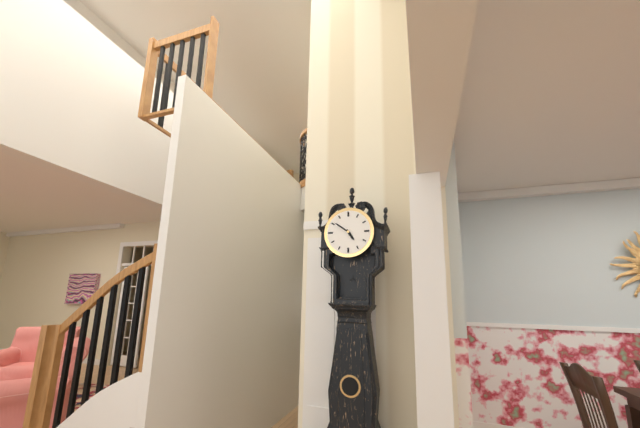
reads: 4,51
